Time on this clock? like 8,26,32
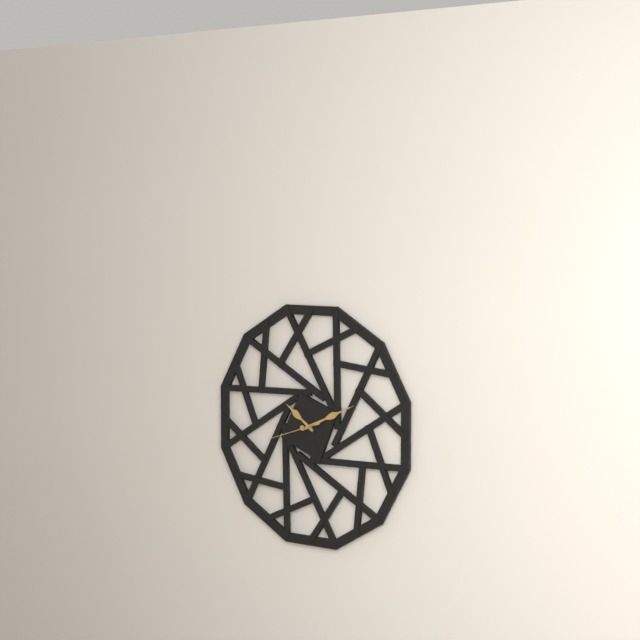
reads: 10,11,42
